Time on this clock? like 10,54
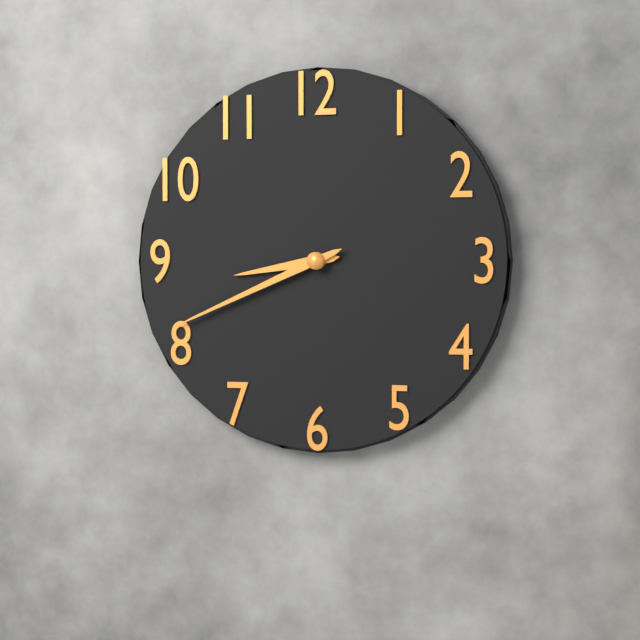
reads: 8,41
